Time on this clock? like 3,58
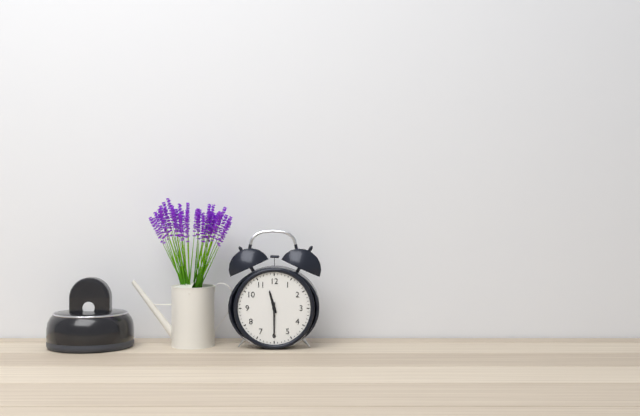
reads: 11,30
